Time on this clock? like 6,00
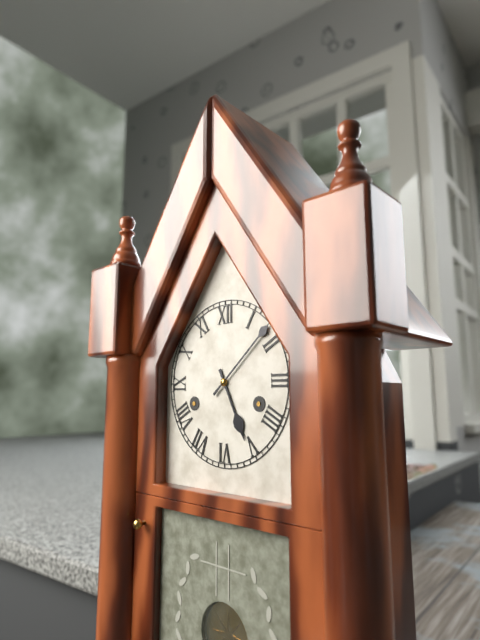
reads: 5,08
